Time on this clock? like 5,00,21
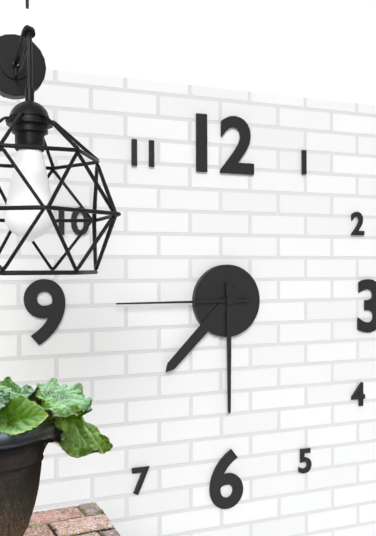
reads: 7,30,45
